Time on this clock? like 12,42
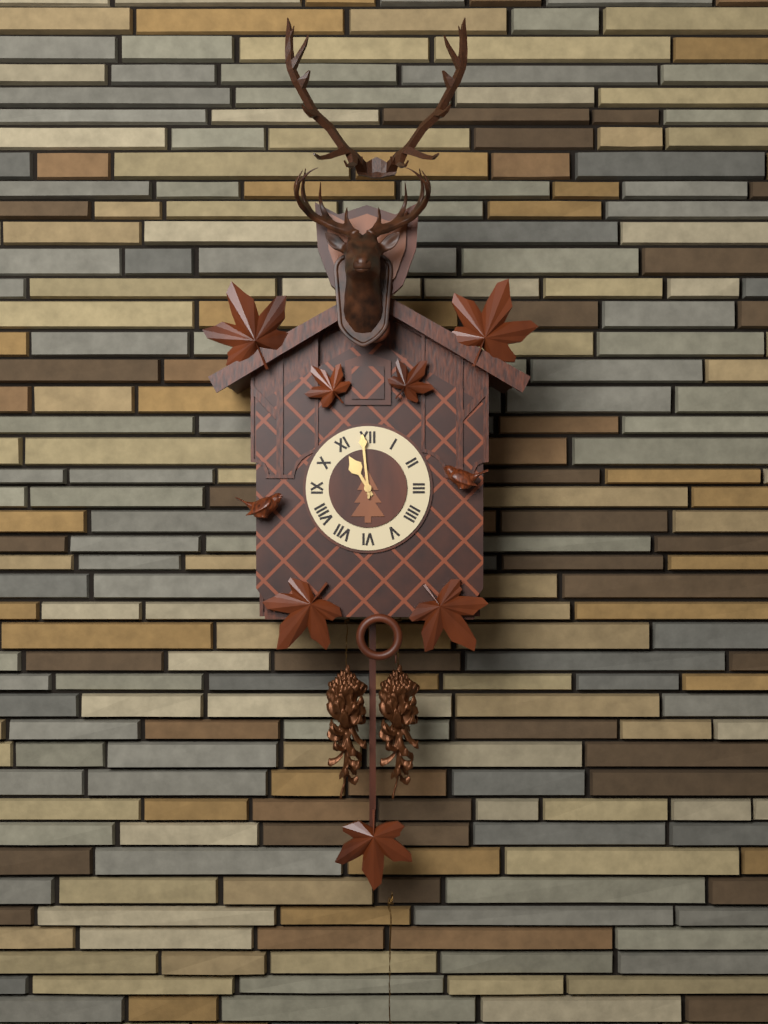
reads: 10,59
